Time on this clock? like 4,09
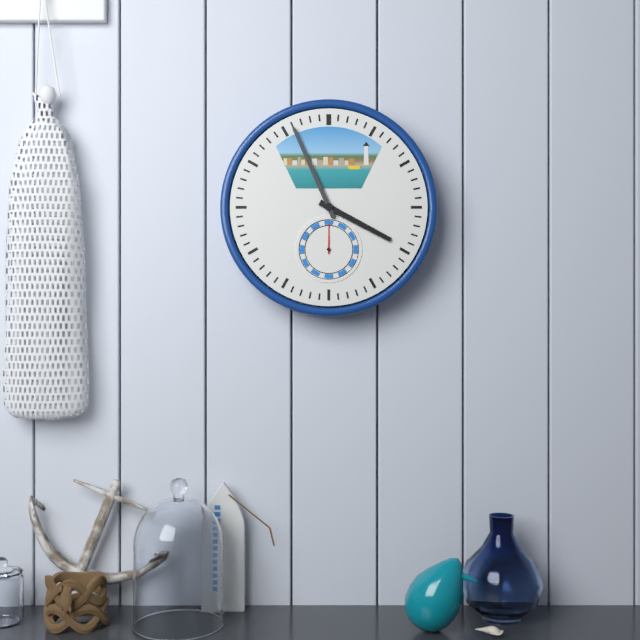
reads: 3,56
